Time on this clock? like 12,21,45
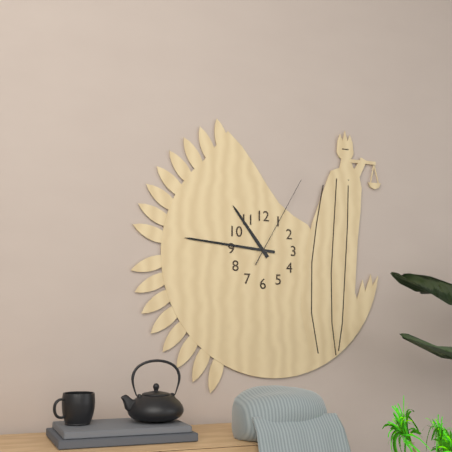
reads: 10,46,05
